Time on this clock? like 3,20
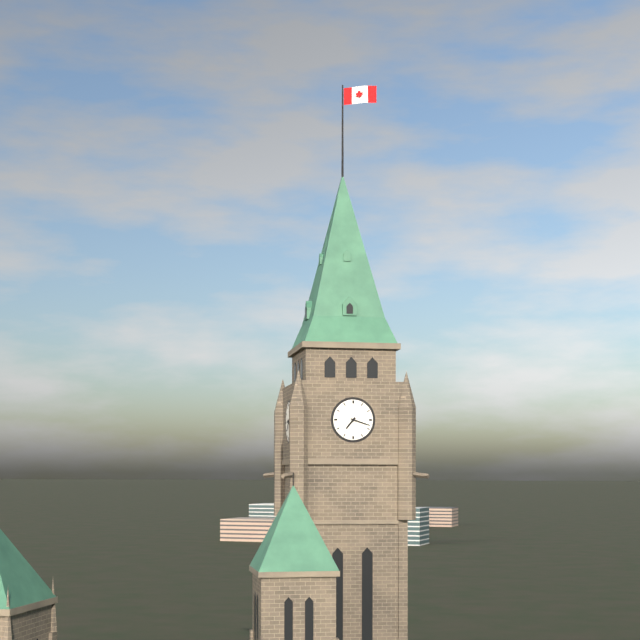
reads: 7,18
